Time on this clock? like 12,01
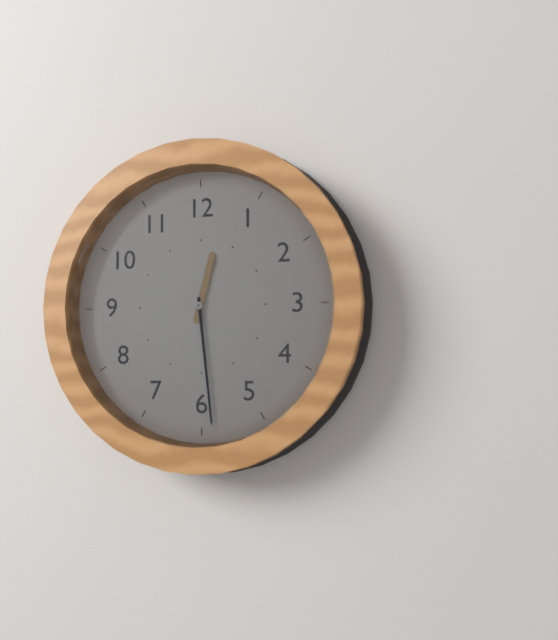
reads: 12,29
